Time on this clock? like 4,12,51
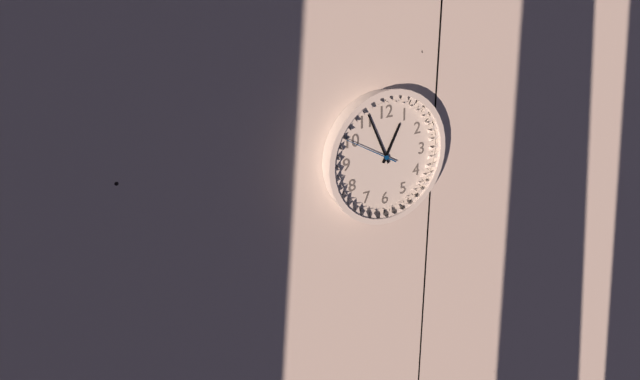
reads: 12,56,50
